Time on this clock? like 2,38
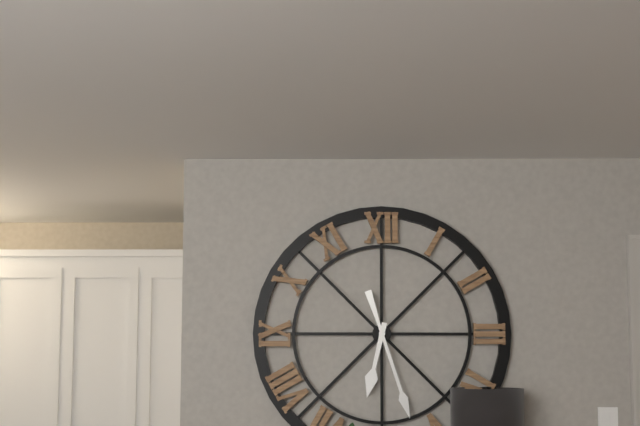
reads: 6,27
